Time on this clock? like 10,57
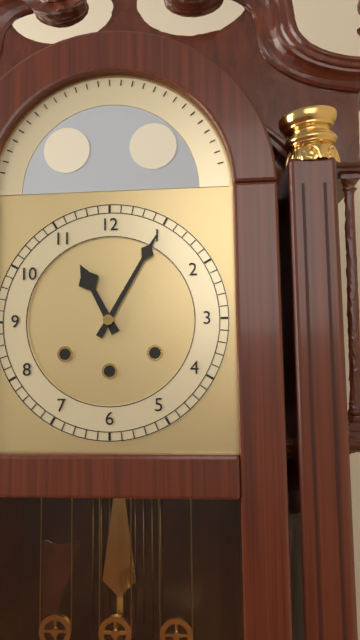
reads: 11,05
